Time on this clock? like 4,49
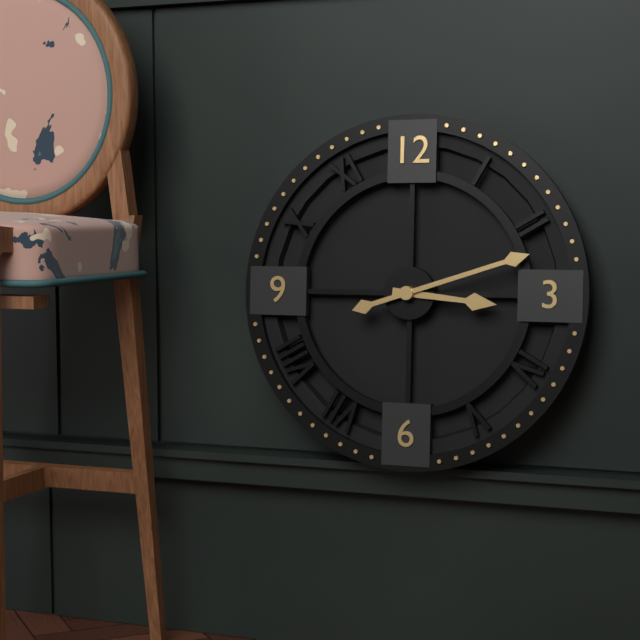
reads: 3,12
